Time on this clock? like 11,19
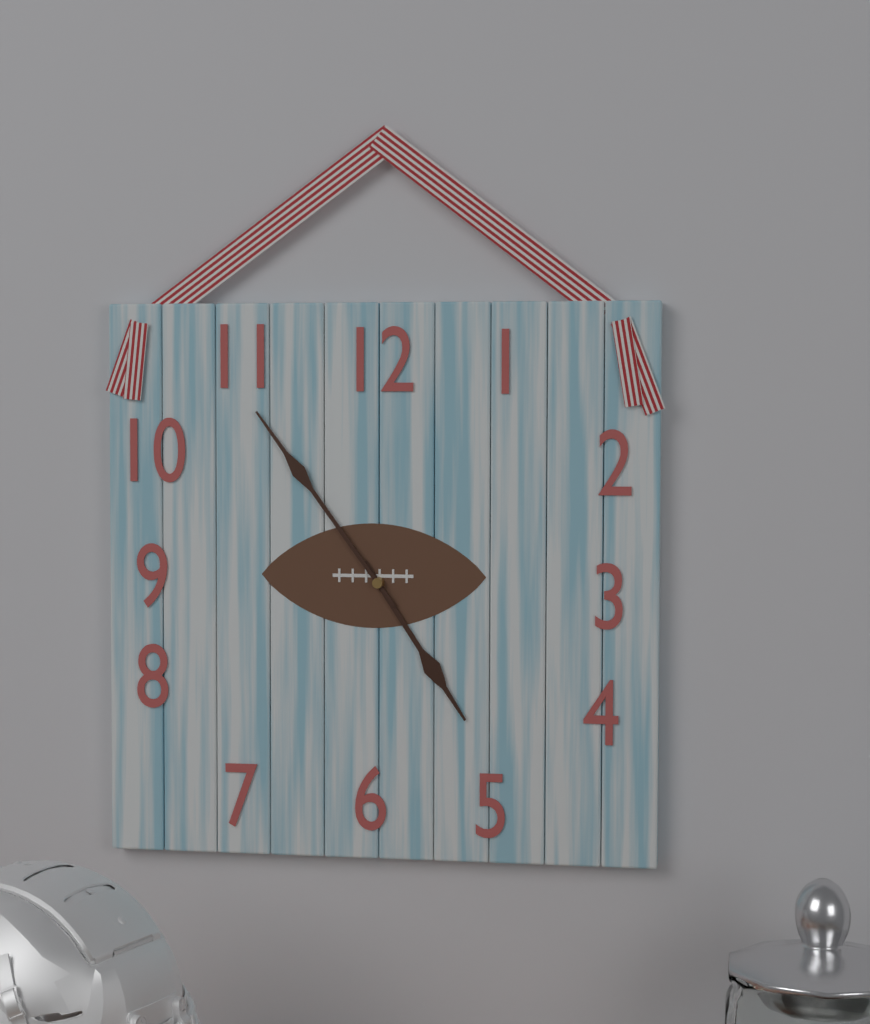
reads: 4,54
